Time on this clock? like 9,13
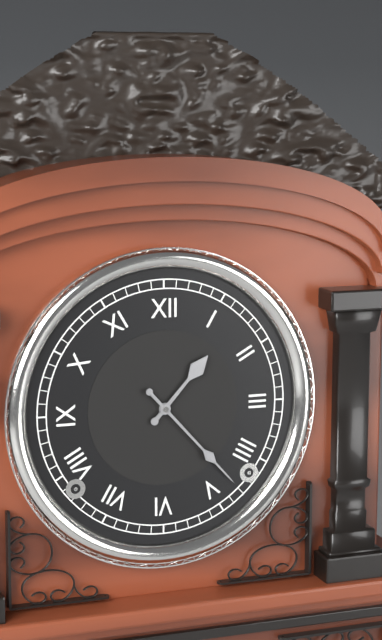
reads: 1,23
